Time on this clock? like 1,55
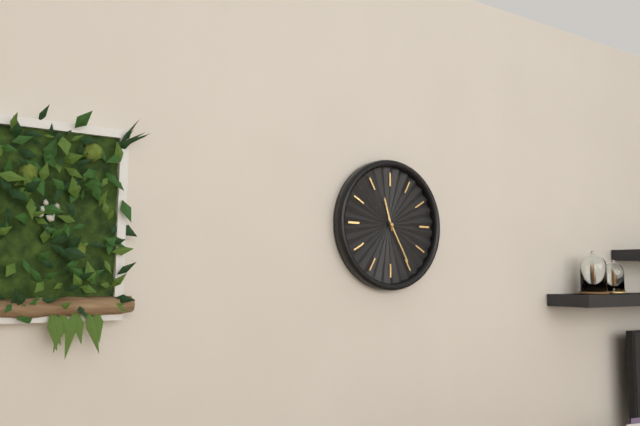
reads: 11,25
